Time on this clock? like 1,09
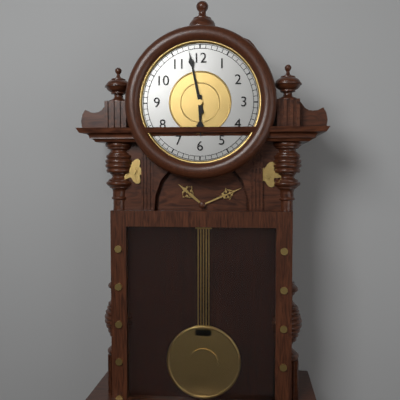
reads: 5,58
